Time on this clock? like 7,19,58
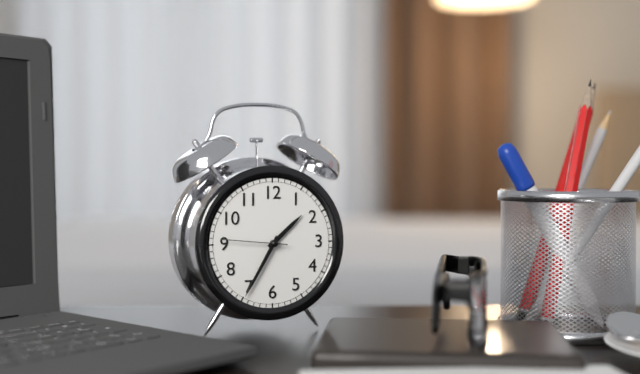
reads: 1,35,46
